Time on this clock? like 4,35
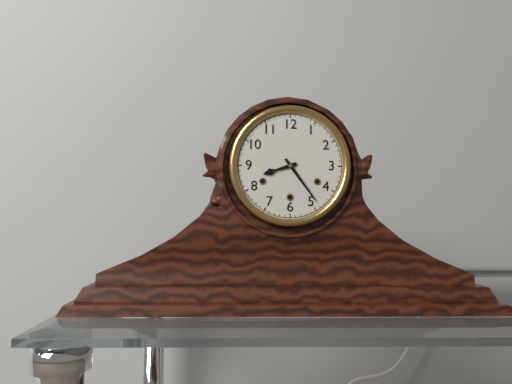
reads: 8,24
